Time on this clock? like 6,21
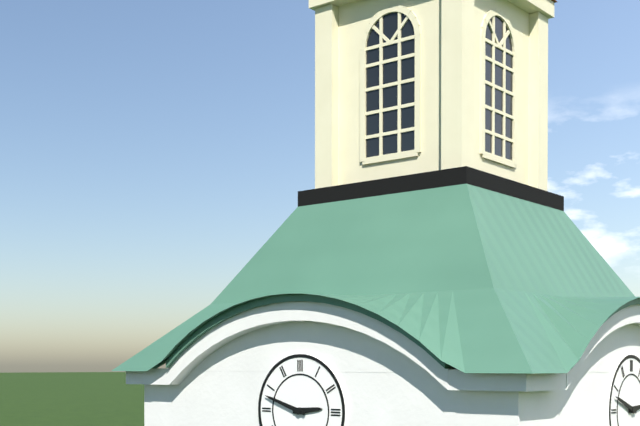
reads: 2,48
